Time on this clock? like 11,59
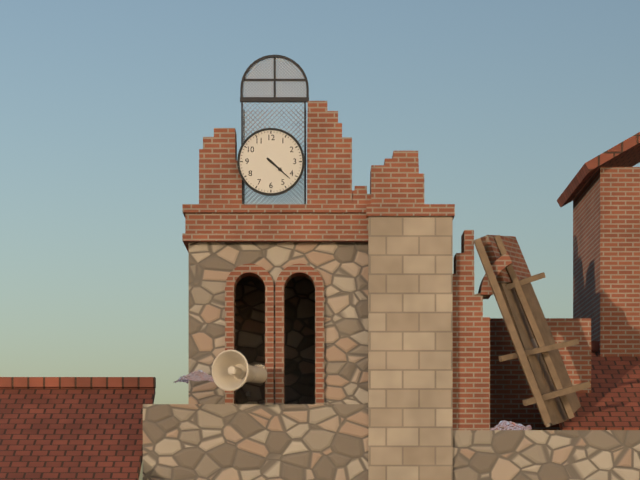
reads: 4,22
